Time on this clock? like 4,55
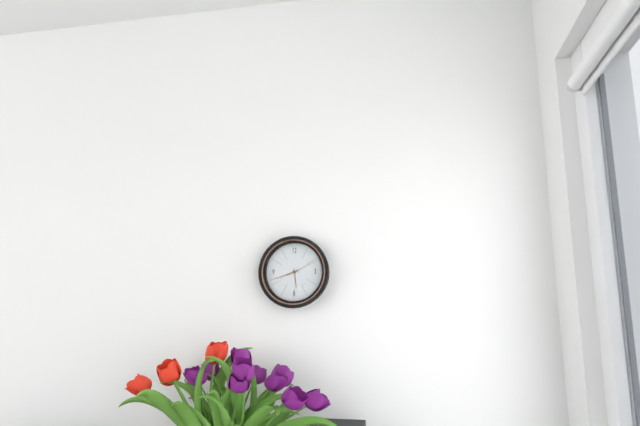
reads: 5,42
